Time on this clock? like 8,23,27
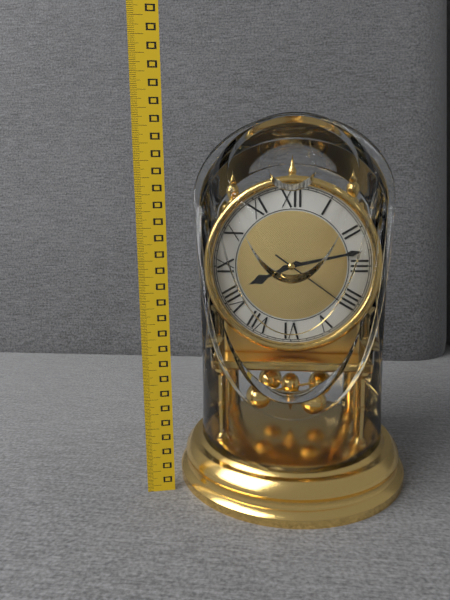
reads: 8,13,21
